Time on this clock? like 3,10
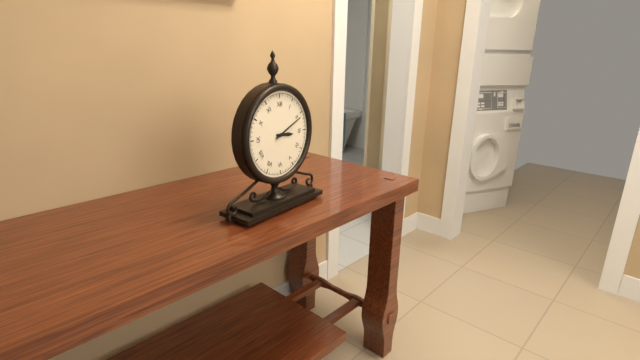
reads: 3,11
